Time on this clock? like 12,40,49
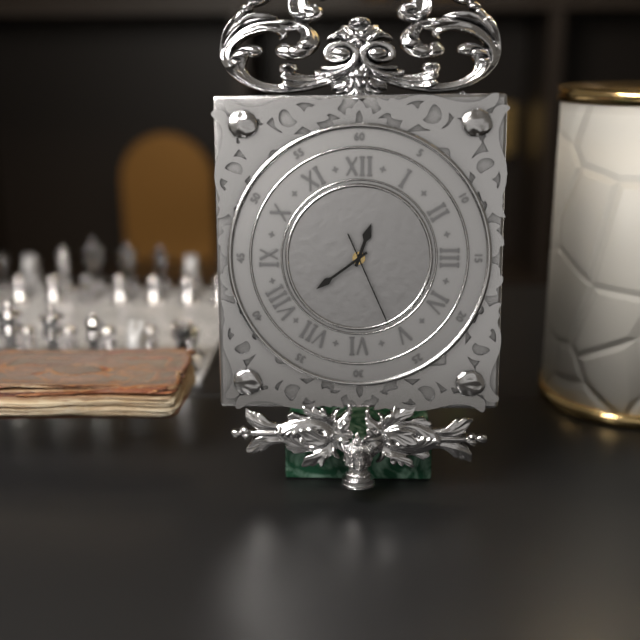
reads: 12,39,26
